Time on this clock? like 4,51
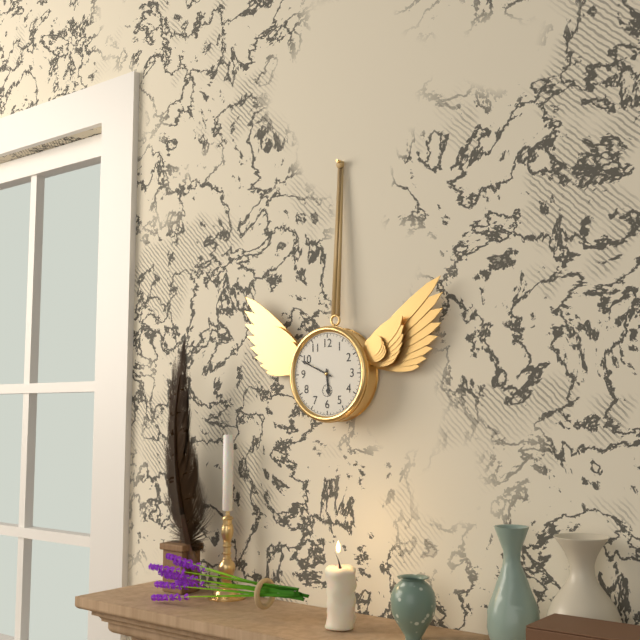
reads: 5,49
